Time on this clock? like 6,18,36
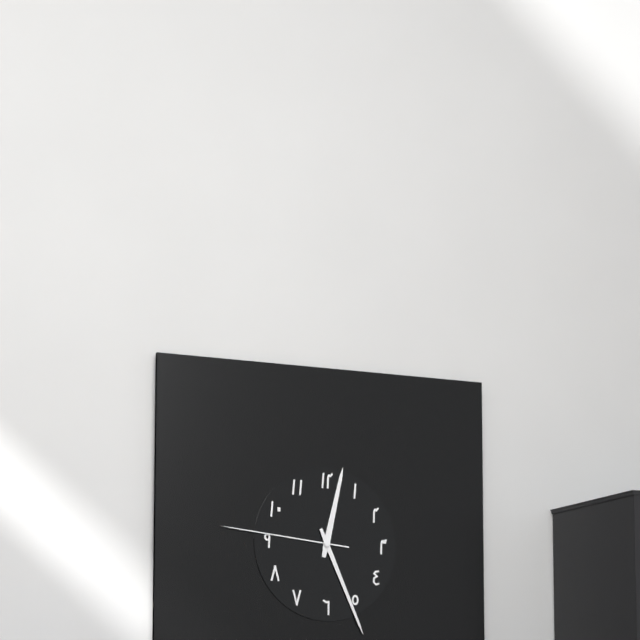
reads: 12,26,46
